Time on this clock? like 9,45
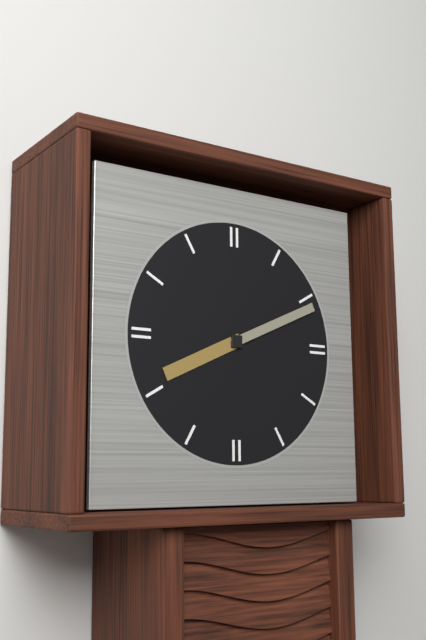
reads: 8,11
